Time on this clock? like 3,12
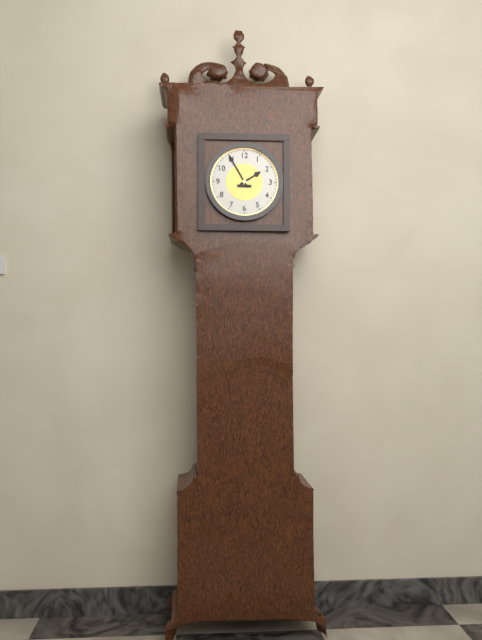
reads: 1,55
